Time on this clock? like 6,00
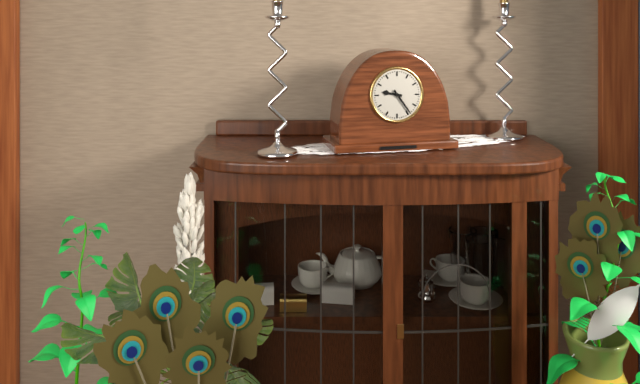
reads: 9,24
